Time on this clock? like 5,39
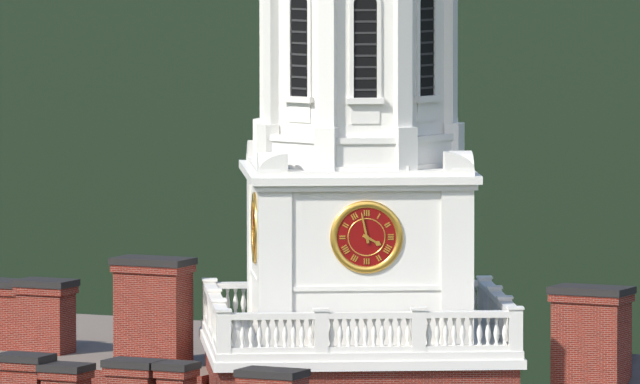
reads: 3,58
